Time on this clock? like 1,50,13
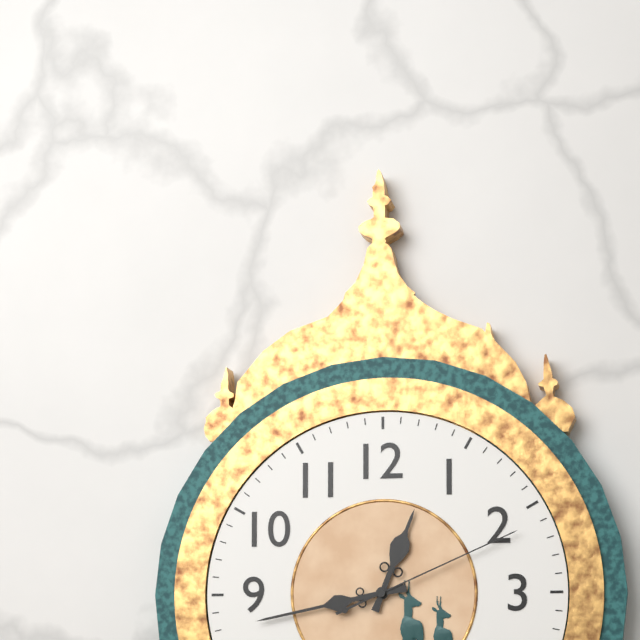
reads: 12,43,11
